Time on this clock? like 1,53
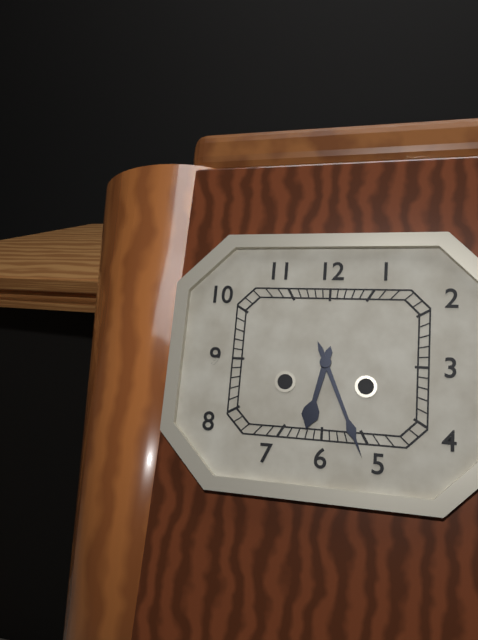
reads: 6,26
